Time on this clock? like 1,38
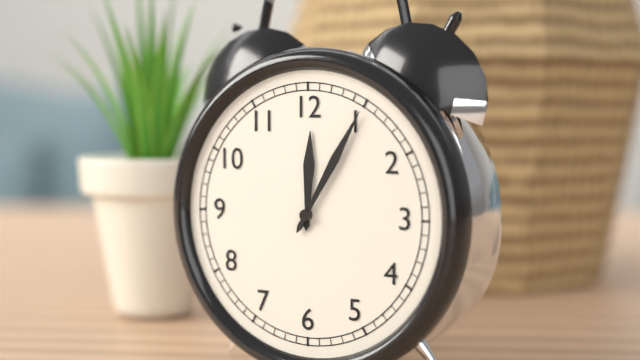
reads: 12,05
